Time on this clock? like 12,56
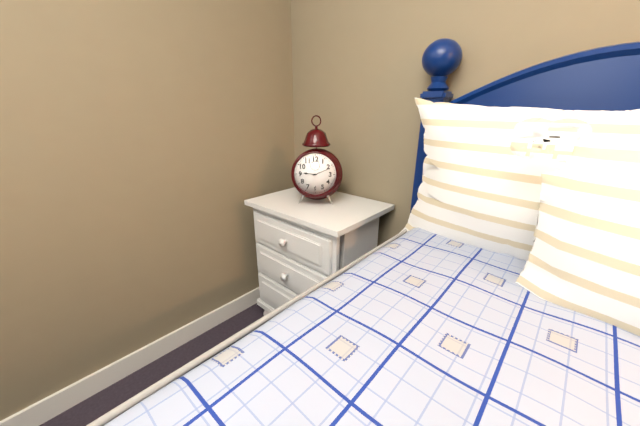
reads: 9,11
